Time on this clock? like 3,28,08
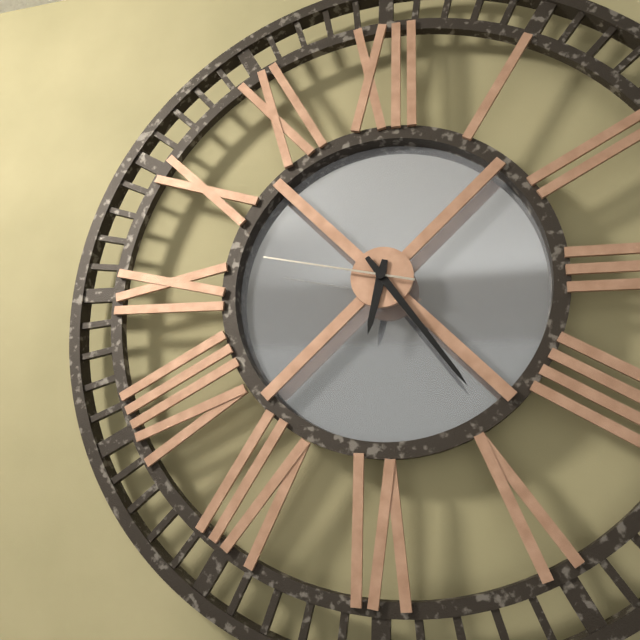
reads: 6,24,47
